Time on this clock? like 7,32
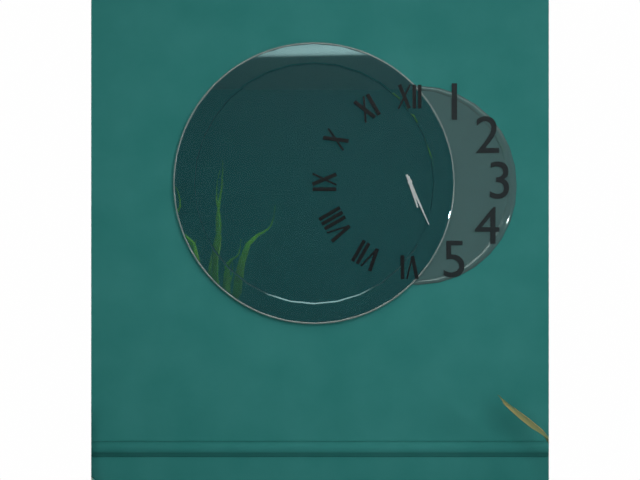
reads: 5,26
